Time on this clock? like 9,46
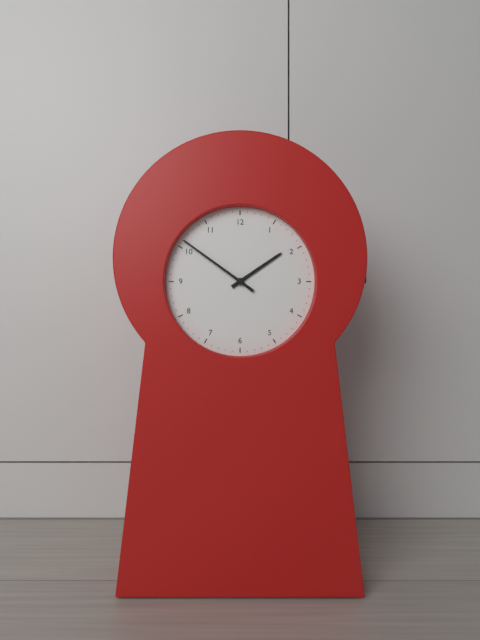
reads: 1,51
